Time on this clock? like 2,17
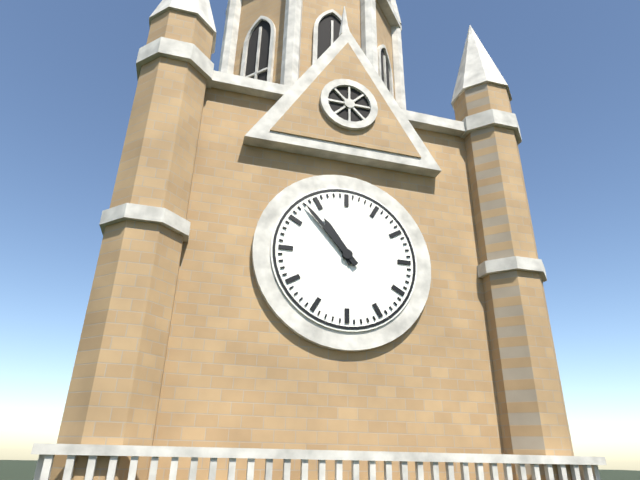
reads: 10,53
